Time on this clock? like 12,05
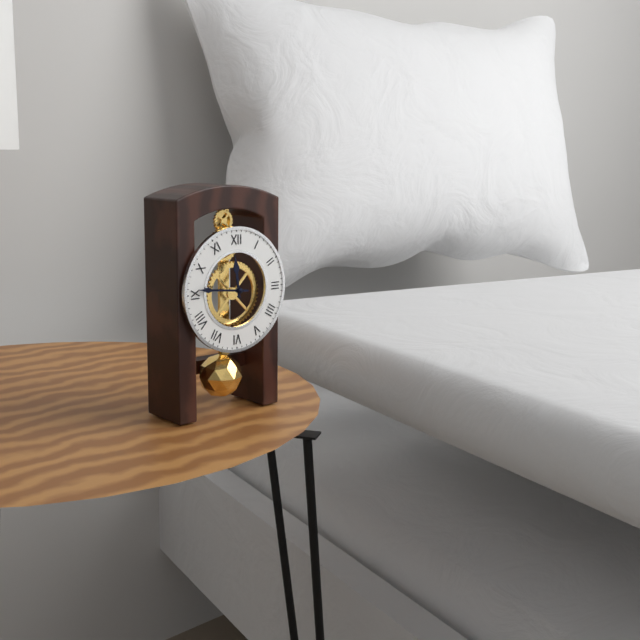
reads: 11,46
